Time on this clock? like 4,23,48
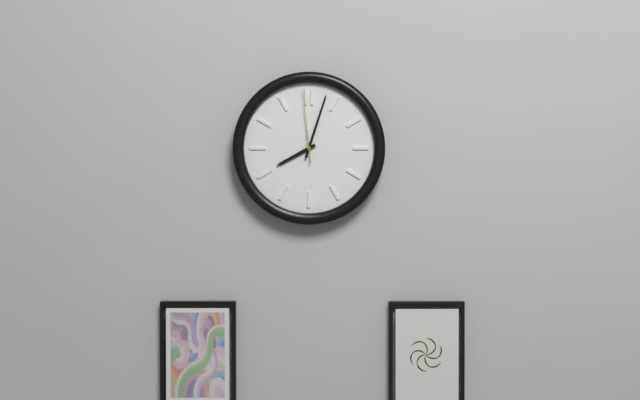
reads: 8,03,59
